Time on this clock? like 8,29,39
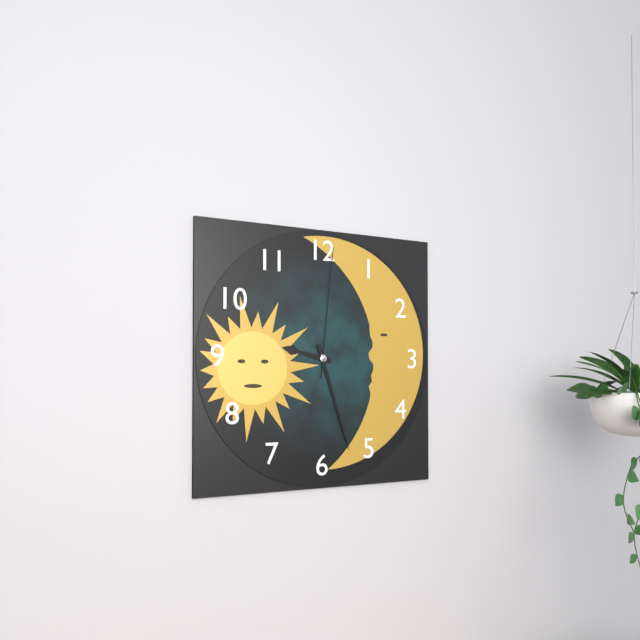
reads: 9,27,01
